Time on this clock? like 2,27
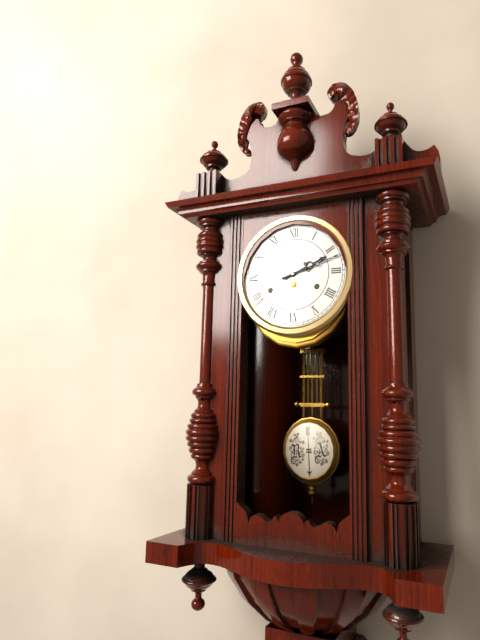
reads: 2,12
